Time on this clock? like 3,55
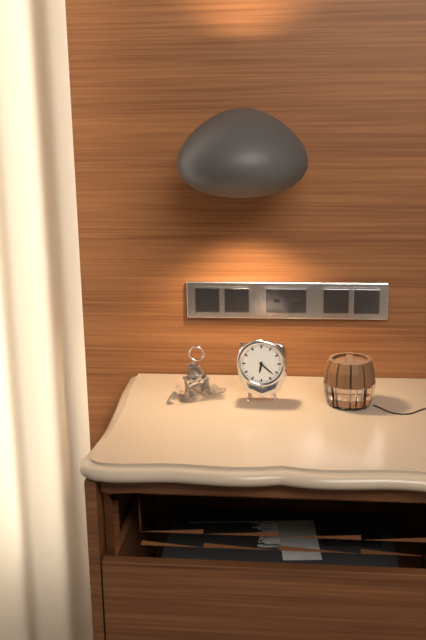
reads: 6,22
